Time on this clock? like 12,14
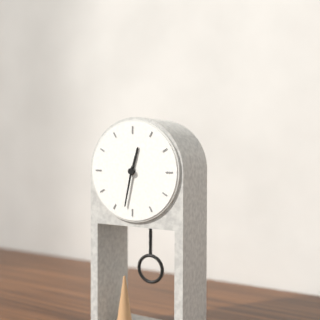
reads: 12,32
